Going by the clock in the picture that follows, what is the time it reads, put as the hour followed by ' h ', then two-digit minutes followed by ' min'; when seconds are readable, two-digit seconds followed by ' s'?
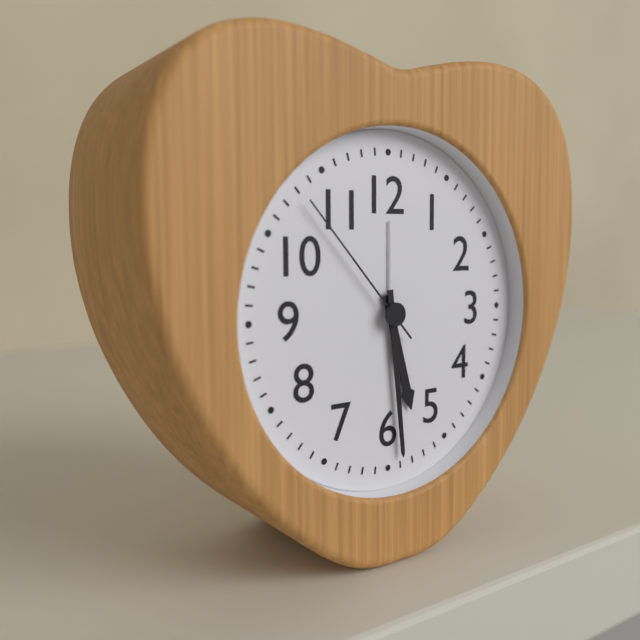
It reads 5 h 29 min 53 s
